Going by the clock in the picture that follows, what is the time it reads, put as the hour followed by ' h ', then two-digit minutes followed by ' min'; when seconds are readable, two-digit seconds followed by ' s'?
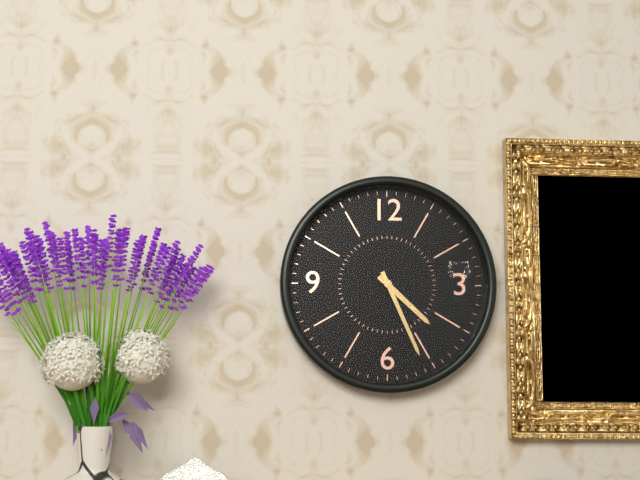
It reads 4 h 26 min
